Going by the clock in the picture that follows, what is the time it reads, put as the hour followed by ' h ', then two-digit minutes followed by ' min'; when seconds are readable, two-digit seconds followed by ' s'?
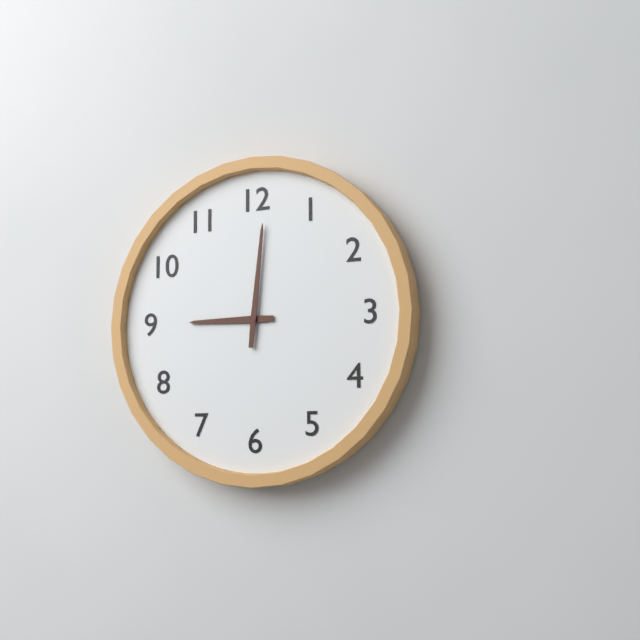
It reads 9 h 01 min
